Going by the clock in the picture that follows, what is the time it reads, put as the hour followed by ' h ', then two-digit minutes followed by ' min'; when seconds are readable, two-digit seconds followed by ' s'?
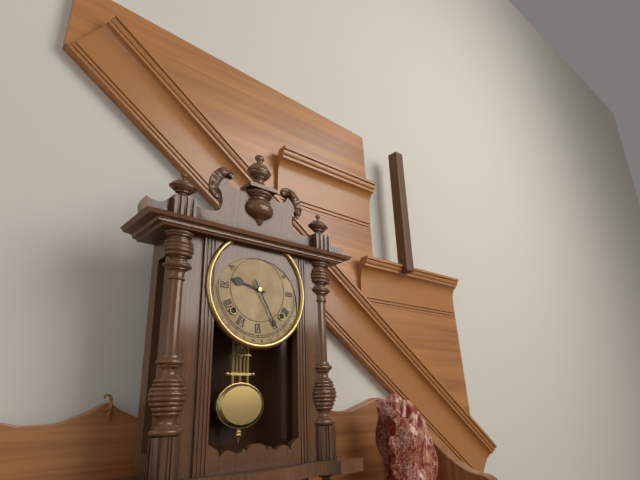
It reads 9 h 25 min
